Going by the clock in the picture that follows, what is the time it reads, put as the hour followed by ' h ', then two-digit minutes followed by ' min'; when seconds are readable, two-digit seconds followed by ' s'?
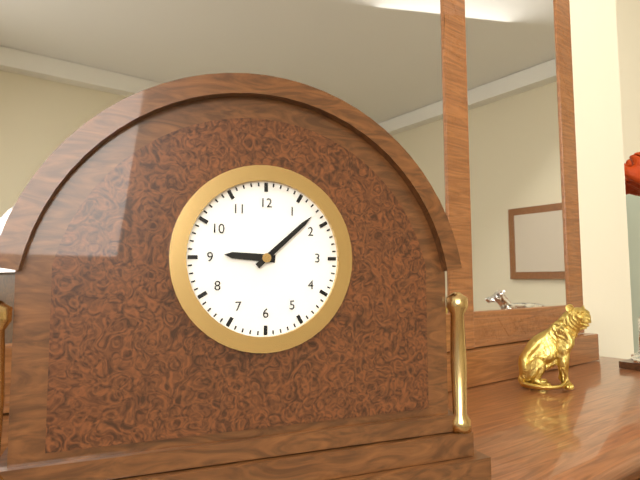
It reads 9 h 08 min
